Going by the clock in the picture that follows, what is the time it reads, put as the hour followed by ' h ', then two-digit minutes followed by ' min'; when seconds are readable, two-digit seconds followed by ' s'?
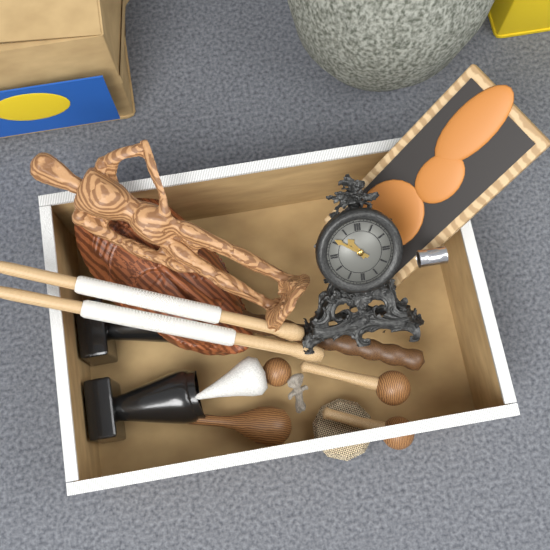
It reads 10 h 51 min
